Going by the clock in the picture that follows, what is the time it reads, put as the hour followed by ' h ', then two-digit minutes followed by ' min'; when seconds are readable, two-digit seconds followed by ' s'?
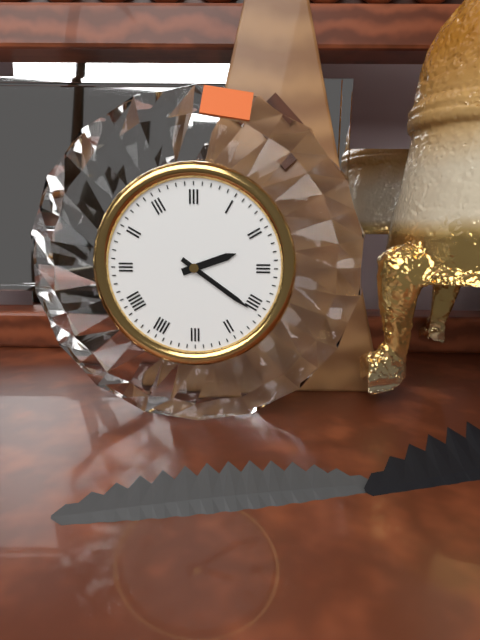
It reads 2 h 21 min
